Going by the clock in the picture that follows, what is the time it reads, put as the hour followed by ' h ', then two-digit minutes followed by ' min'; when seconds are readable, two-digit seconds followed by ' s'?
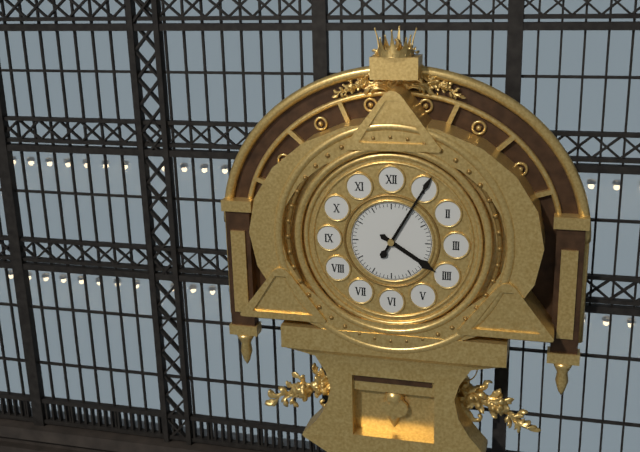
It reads 4 h 05 min
